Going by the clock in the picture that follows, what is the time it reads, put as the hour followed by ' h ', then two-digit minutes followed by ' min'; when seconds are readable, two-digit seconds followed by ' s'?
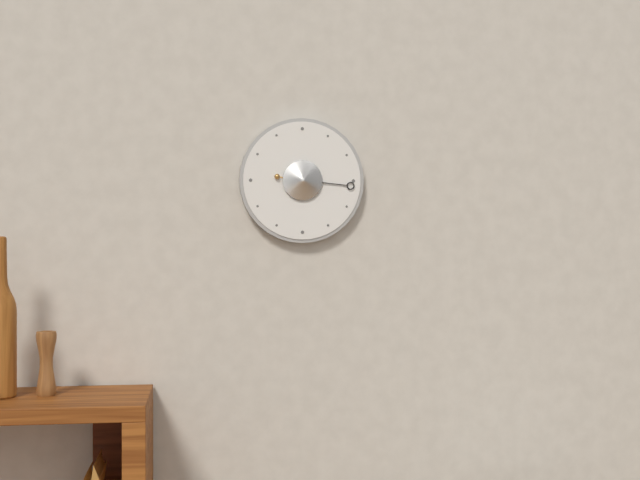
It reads 9 h 16 min
